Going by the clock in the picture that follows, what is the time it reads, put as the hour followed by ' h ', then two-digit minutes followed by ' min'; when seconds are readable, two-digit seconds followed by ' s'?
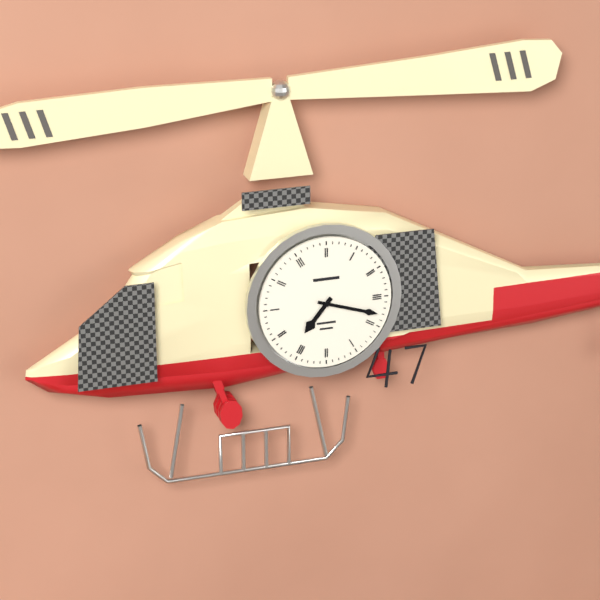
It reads 7 h 18 min
